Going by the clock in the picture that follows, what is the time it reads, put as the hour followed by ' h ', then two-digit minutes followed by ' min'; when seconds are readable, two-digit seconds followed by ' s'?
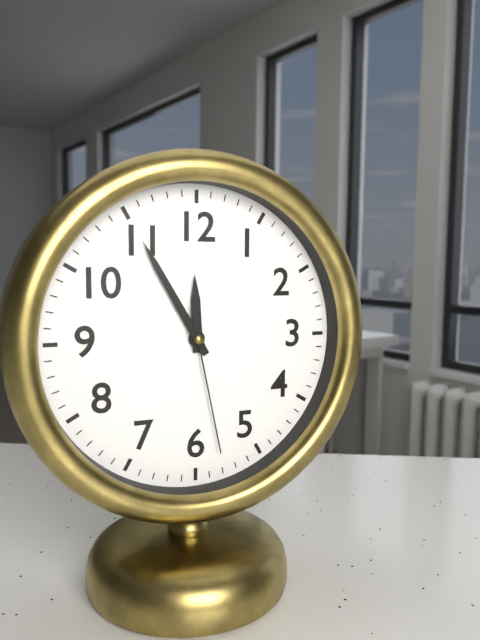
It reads 11 h 55 min 28 s
